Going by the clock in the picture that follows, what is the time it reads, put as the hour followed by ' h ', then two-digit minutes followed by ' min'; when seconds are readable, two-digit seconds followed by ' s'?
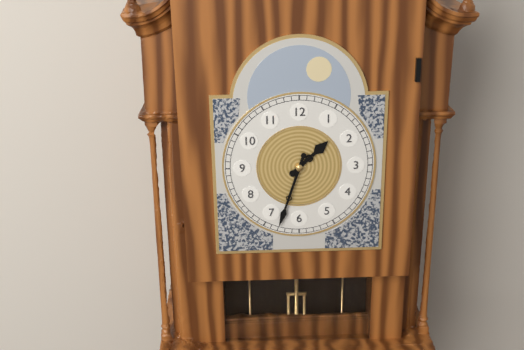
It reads 1 h 33 min
